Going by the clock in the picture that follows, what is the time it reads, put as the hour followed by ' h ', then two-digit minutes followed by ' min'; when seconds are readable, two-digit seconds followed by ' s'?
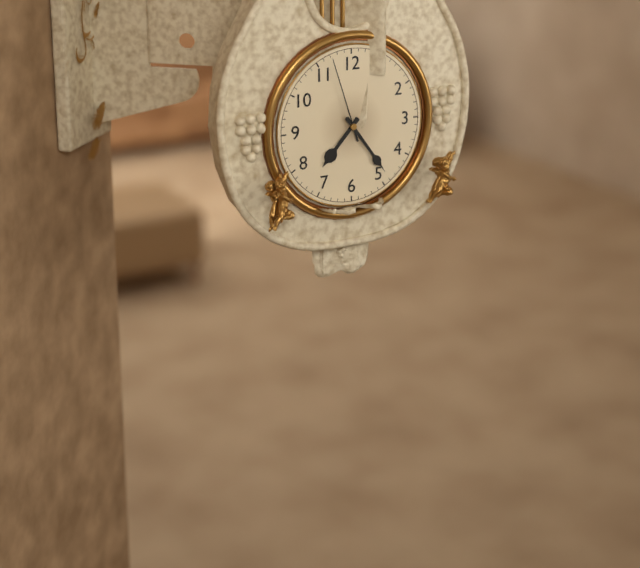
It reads 7 h 24 min 57 s
